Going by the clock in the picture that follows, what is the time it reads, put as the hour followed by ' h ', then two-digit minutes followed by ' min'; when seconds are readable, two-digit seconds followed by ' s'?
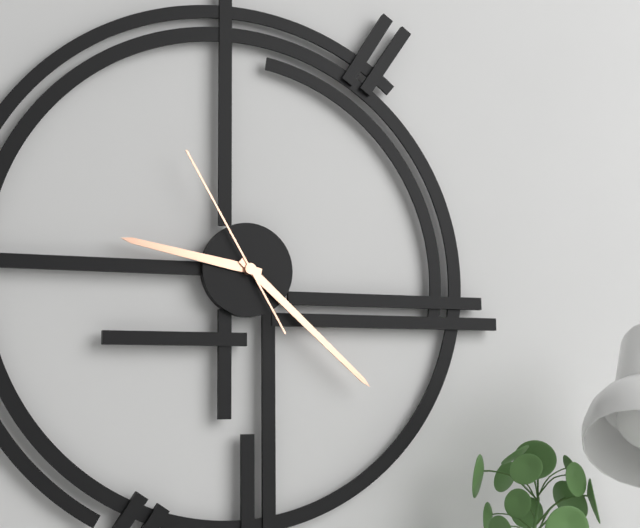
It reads 9 h 22 min 55 s
